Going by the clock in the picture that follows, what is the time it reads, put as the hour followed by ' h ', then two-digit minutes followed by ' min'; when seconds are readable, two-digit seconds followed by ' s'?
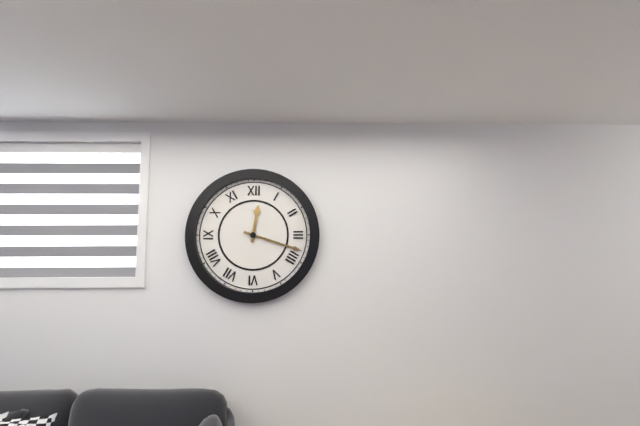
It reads 12 h 18 min
